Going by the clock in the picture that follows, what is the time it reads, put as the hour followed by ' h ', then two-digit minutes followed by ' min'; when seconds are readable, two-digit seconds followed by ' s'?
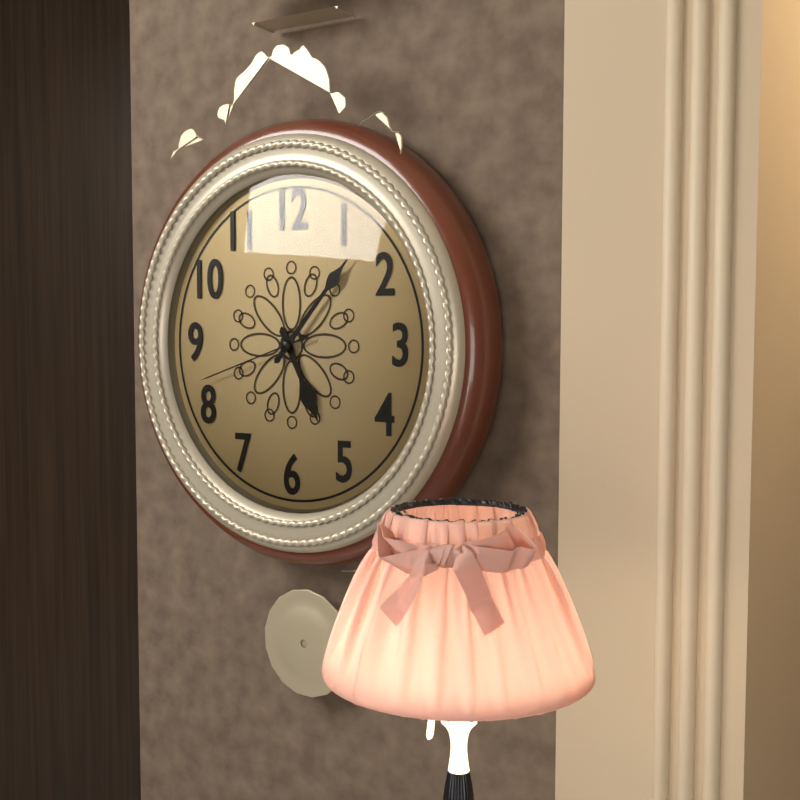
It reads 5 h 07 min 42 s
